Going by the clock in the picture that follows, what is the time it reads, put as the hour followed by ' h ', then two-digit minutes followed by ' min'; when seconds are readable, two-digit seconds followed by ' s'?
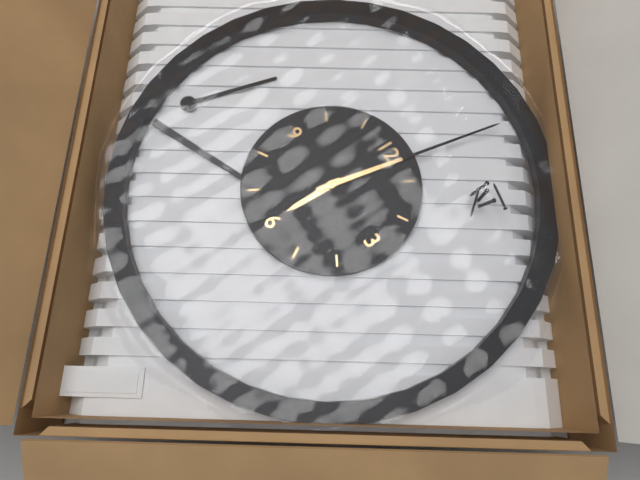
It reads 6 h 02 min
